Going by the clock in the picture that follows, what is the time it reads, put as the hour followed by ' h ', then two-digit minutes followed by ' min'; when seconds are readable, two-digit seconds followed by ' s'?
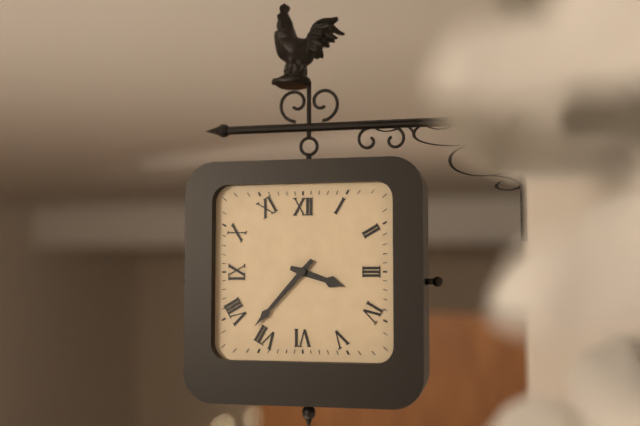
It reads 3 h 37 min
